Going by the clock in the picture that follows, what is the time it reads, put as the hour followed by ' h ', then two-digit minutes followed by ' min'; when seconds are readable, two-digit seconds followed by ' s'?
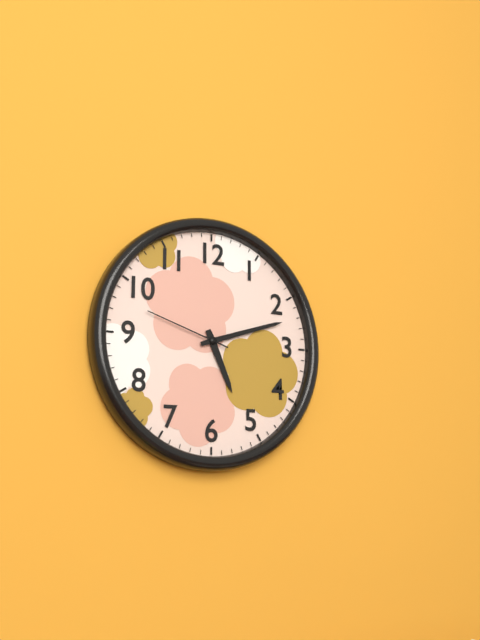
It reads 5 h 12 min 48 s
